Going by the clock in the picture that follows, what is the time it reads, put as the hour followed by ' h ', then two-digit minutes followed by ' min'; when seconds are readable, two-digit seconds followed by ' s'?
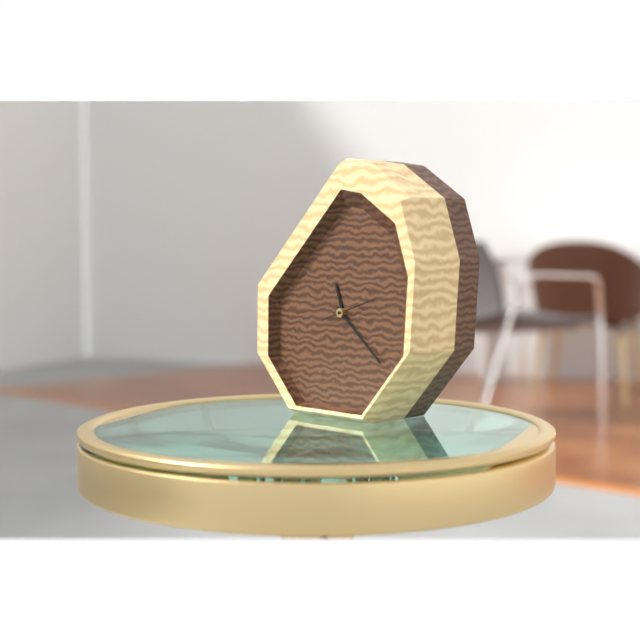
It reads 11 h 22 min
